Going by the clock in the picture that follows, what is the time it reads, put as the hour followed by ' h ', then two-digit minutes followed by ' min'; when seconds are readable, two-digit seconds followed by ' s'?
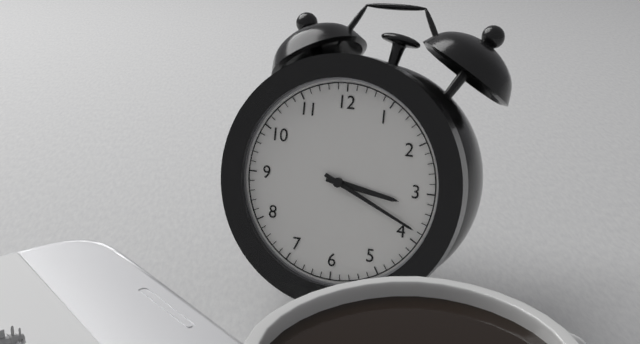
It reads 3 h 19 min
